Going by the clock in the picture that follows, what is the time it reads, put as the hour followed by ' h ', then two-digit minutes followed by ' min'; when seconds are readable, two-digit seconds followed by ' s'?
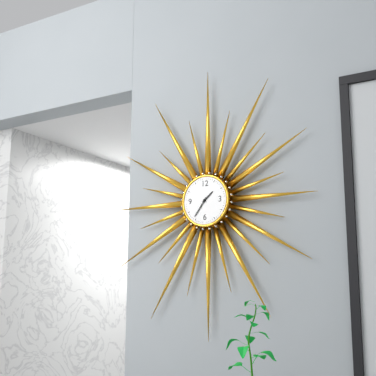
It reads 1 h 36 min
